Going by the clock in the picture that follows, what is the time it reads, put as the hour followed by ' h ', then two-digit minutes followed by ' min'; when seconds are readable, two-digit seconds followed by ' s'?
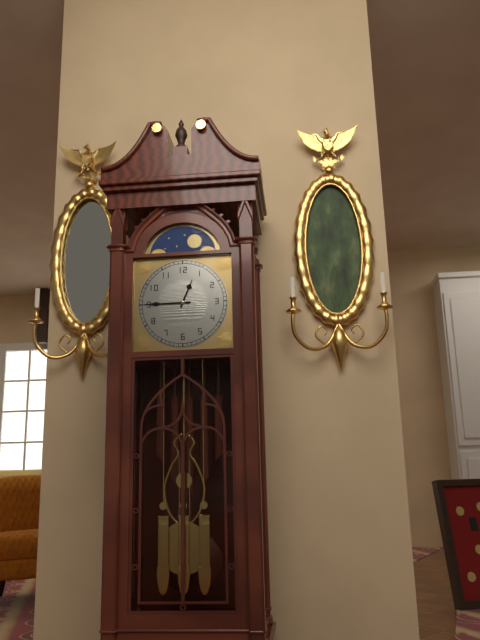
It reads 12 h 45 min
